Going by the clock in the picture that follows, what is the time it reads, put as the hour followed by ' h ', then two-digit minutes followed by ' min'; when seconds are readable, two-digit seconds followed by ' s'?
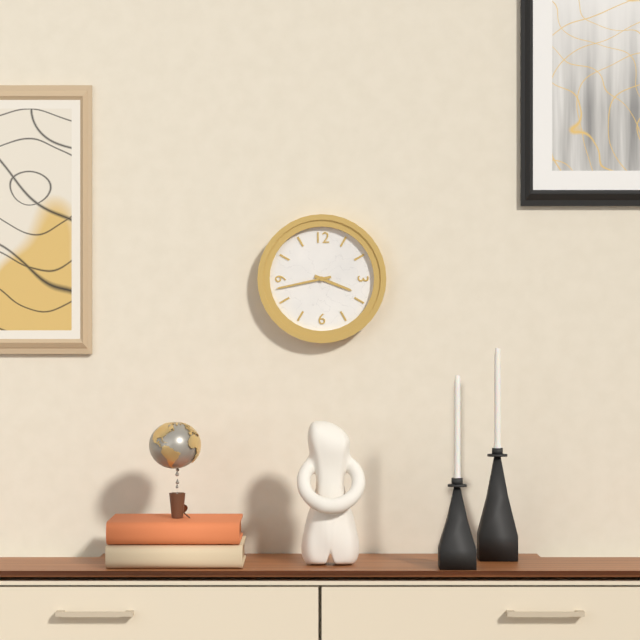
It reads 3 h 43 min
